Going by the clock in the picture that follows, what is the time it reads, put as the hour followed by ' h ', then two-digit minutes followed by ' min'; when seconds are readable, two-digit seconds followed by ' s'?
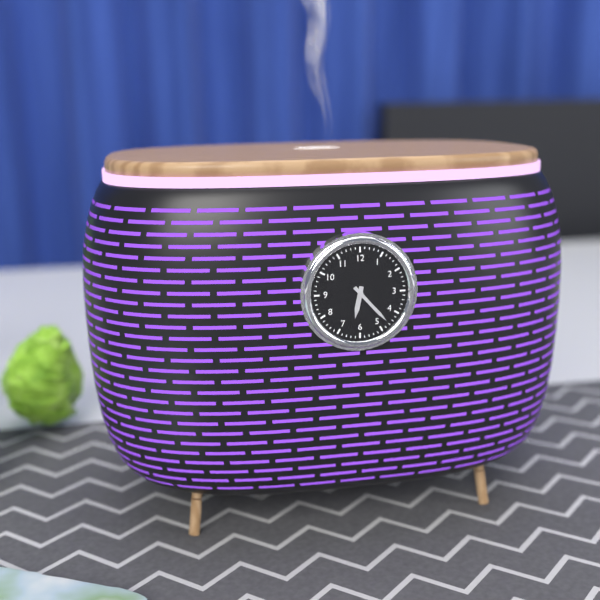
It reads 6 h 23 min
